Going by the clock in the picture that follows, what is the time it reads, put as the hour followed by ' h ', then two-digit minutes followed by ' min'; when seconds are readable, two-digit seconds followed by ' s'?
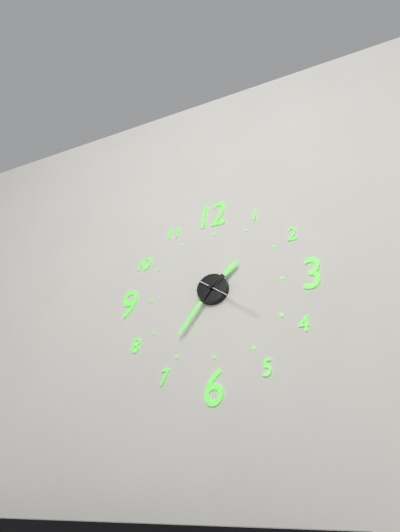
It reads 1 h 36 min 21 s
